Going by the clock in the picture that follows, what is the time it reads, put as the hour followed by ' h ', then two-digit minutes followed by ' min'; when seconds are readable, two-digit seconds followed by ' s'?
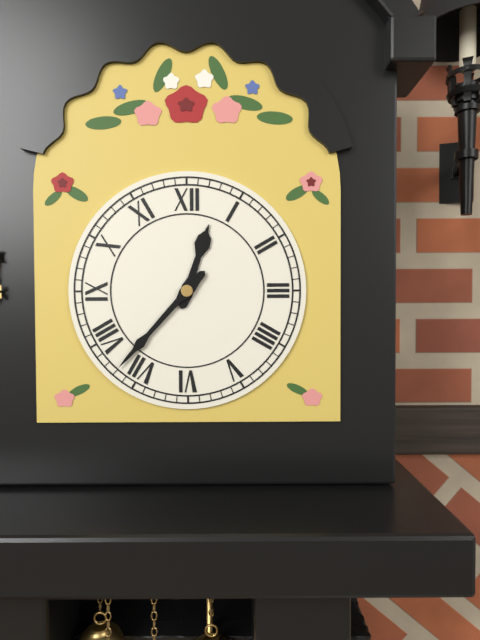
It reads 12 h 37 min
